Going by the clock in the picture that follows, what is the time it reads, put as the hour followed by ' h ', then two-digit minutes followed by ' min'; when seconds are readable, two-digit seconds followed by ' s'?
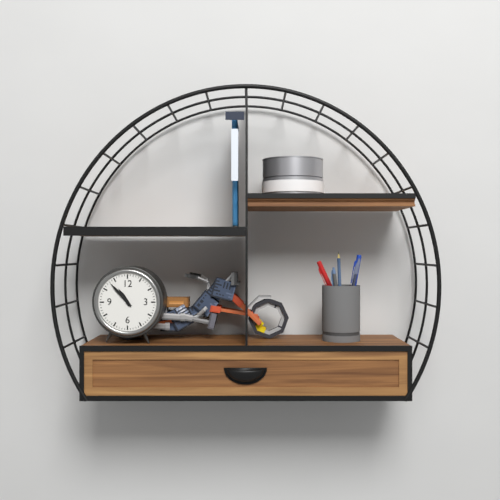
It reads 10 h 53 min
